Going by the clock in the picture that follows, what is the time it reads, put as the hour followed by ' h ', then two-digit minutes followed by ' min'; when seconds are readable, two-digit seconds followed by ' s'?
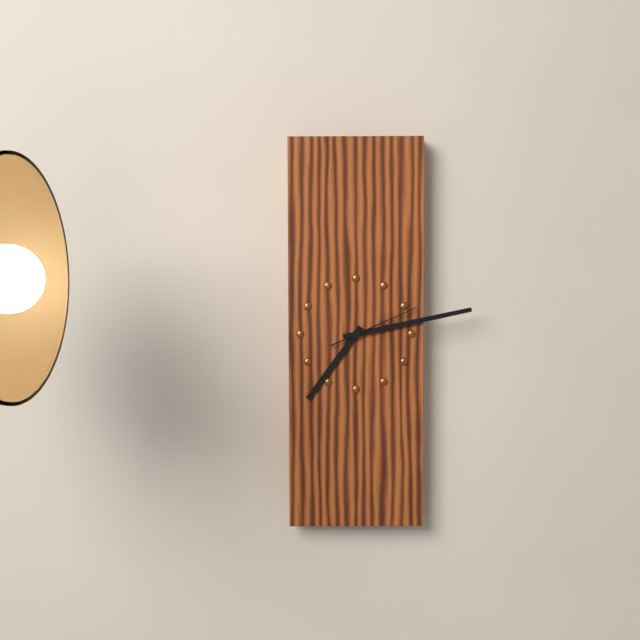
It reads 7 h 13 min 11 s
